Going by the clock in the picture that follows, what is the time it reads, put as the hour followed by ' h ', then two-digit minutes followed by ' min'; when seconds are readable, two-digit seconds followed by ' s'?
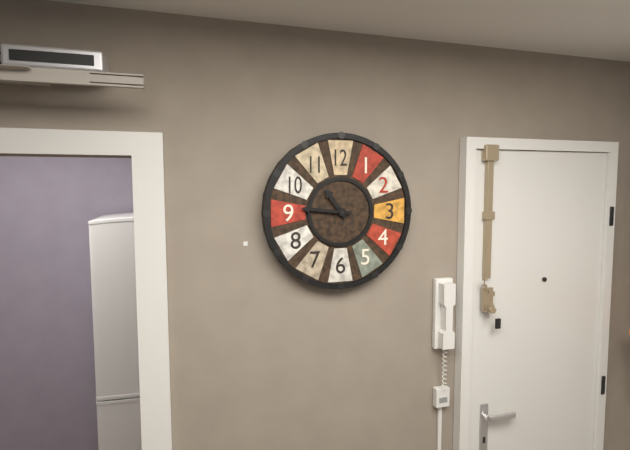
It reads 10 h 46 min
